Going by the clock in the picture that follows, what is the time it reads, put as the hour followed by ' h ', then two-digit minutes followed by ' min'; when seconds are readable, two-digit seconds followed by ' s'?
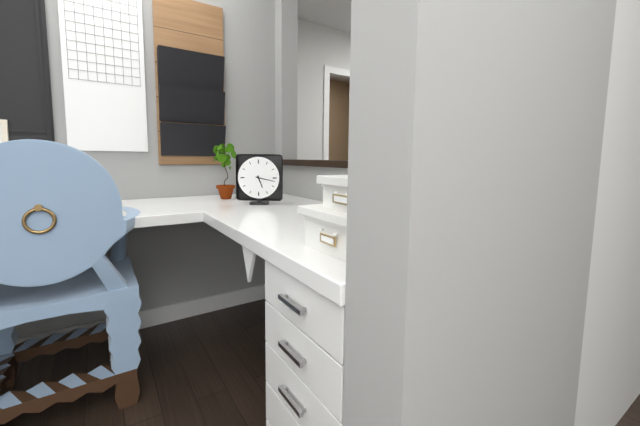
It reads 5 h 17 min
